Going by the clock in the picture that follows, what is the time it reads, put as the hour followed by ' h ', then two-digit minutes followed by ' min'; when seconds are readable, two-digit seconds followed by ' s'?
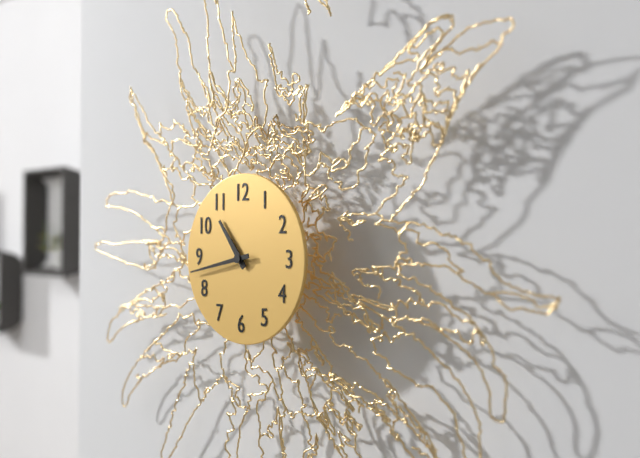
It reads 10 h 43 min
